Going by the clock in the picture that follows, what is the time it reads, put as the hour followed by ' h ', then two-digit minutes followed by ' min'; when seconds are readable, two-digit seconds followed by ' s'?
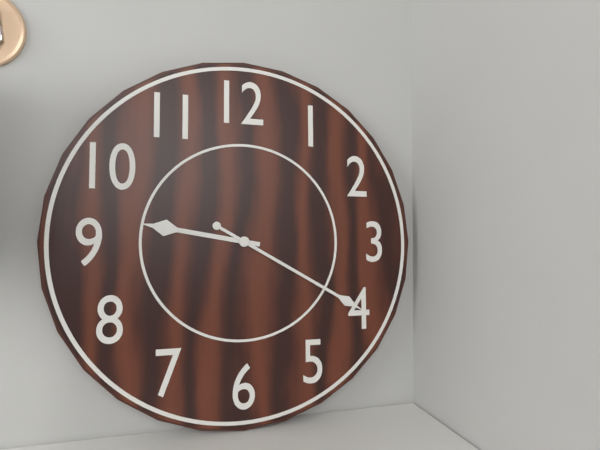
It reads 9 h 20 min
